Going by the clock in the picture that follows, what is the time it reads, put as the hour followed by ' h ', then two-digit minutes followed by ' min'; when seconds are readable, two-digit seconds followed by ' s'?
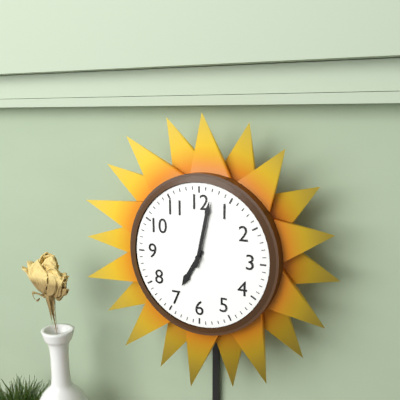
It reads 7 h 02 min
